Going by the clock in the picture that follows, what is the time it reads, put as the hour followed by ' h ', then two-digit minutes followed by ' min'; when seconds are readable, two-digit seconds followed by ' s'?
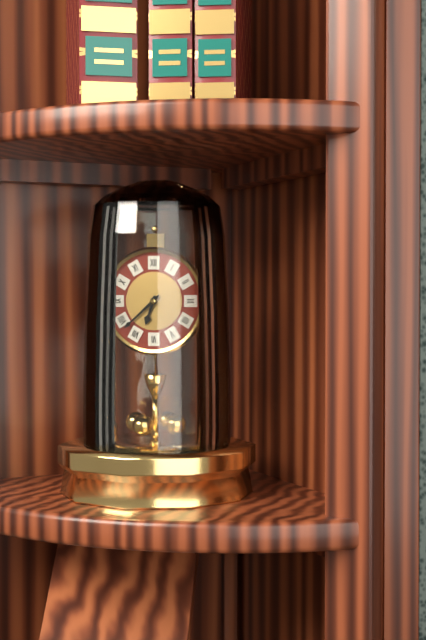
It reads 6 h 38 min
